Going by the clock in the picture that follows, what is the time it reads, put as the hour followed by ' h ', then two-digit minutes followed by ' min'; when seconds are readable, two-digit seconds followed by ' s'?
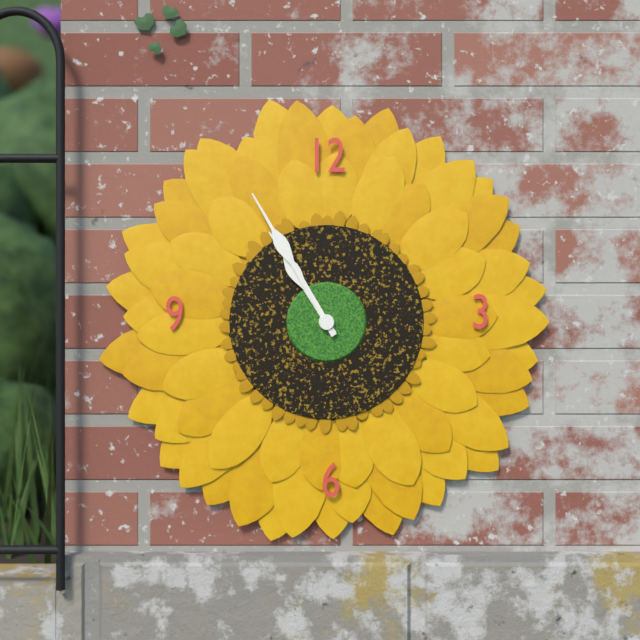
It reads 10 h 55 min
